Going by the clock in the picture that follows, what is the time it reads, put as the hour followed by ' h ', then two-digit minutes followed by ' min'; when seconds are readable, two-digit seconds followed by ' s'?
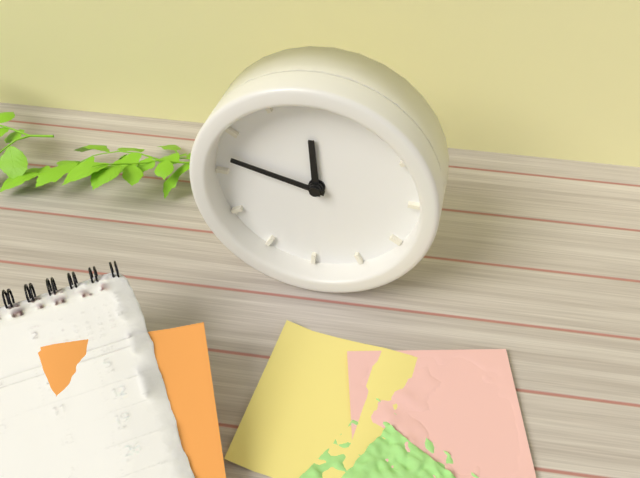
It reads 11 h 47 min
